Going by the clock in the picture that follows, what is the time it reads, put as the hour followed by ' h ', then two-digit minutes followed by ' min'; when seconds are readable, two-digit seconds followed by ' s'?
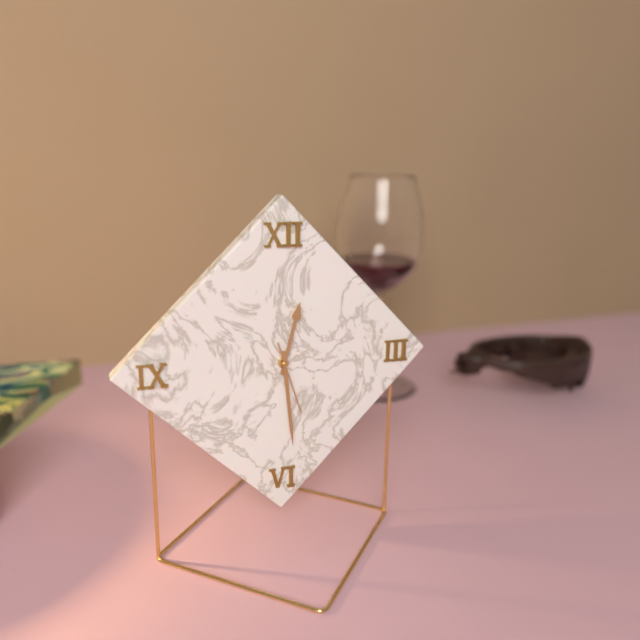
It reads 12 h 29 min 27 s
